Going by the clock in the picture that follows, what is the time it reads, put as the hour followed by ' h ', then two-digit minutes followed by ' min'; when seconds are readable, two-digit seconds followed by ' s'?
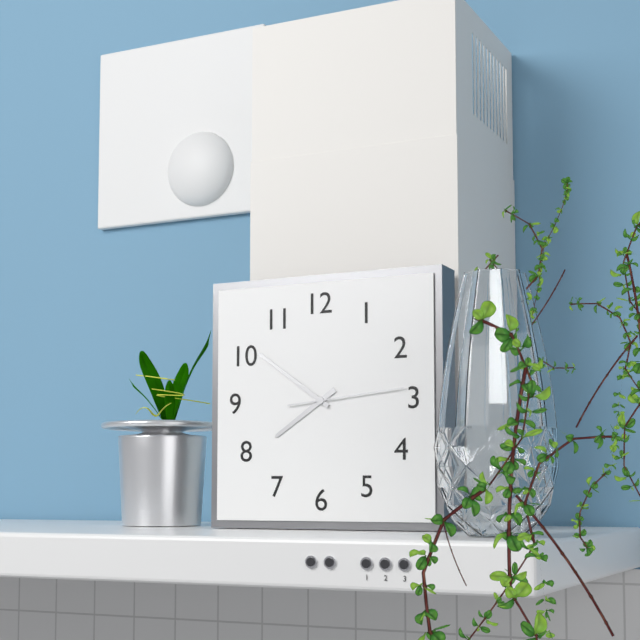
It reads 7 h 51 min 14 s
